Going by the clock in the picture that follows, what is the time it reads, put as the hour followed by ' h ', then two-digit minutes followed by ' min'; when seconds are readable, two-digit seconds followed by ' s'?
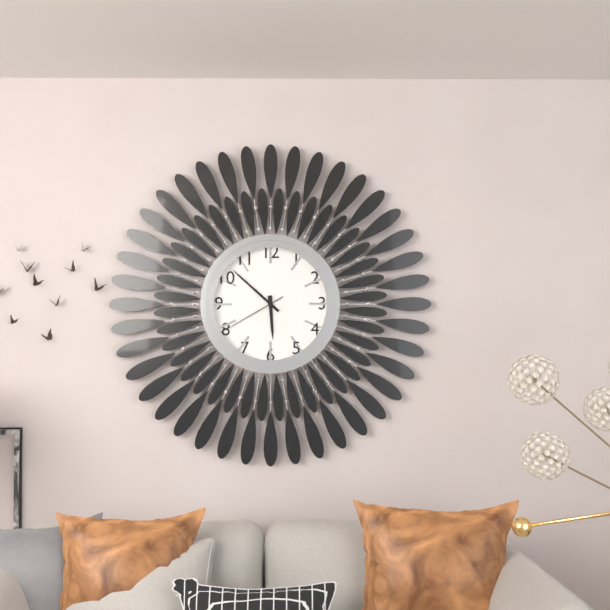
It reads 5 h 52 min 40 s
